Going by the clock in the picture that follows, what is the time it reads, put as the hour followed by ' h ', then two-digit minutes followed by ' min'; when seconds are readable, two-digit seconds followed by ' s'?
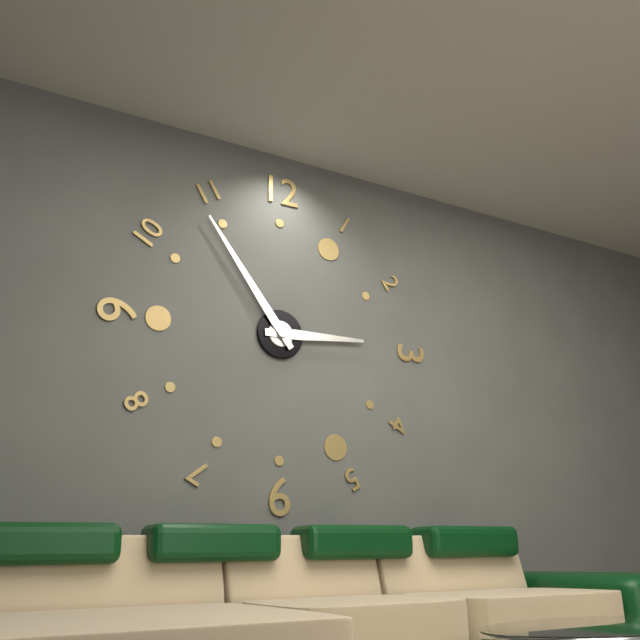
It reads 2 h 54 min
